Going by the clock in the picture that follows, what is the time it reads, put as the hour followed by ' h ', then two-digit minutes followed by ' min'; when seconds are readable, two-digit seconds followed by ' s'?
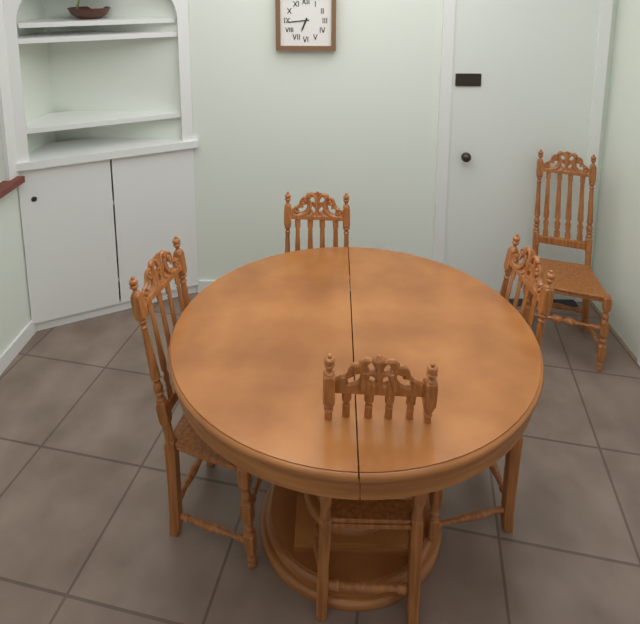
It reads 6 h 44 min
